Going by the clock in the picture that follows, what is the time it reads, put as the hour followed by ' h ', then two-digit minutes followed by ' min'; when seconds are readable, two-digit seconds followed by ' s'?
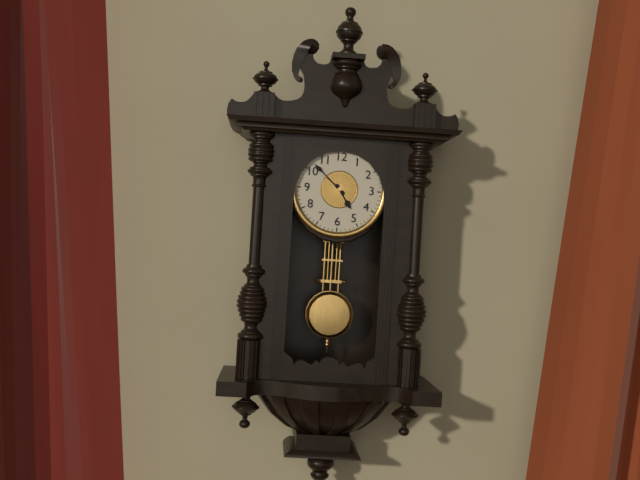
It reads 4 h 52 min
